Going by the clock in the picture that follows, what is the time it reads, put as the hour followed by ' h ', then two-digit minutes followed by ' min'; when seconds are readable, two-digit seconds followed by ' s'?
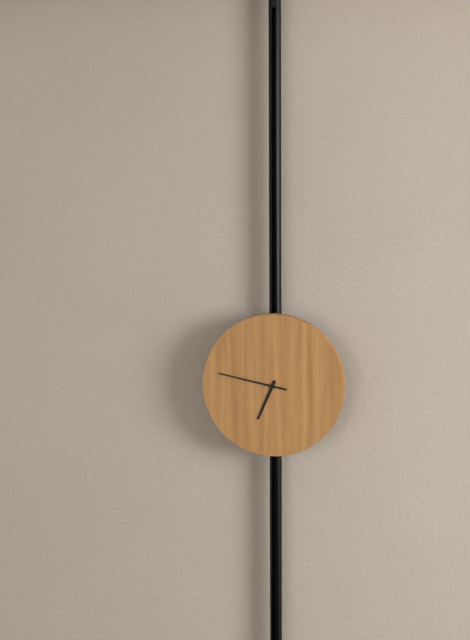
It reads 6 h 47 min
